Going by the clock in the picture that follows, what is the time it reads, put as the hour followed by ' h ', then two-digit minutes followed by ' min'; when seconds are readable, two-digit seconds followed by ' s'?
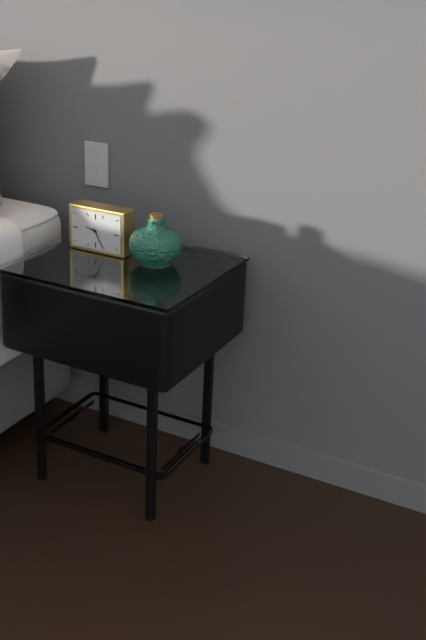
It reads 9 h 25 min
